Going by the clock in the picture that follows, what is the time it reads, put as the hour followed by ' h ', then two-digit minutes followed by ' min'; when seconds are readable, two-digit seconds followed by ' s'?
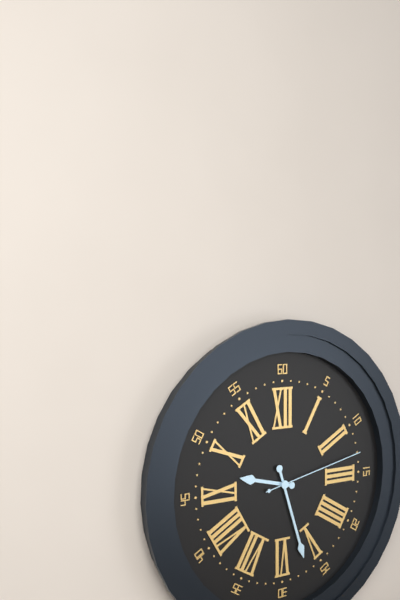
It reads 9 h 27 min 13 s
